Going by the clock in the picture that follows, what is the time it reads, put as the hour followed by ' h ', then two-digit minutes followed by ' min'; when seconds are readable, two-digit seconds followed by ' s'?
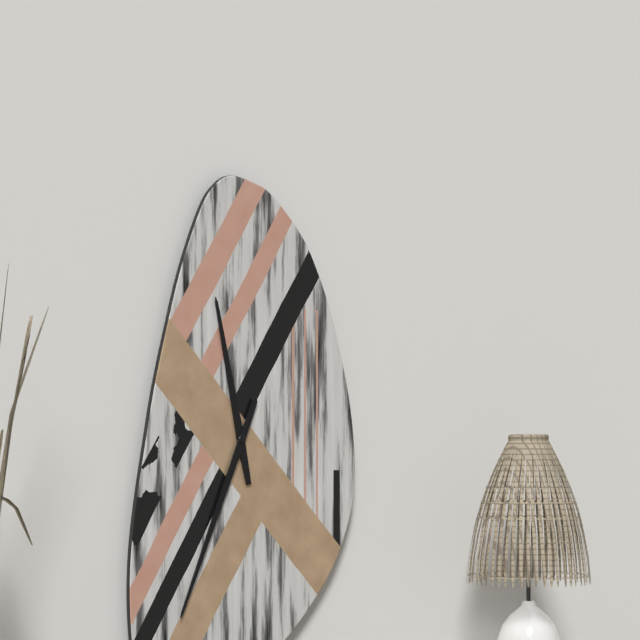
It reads 11 h 34 min
